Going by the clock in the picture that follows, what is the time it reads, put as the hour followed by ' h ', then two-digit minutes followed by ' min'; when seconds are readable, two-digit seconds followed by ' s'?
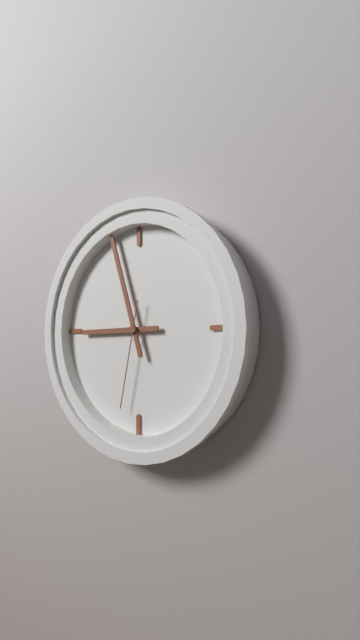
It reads 8 h 57 min 32 s
